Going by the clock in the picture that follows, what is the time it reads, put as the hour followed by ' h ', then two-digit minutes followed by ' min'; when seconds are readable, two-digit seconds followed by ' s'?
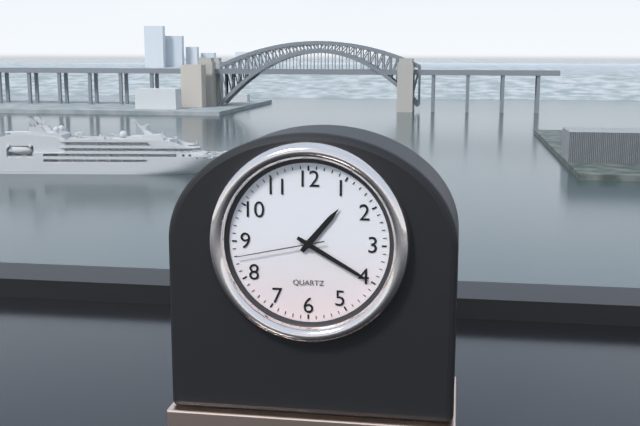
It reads 1 h 20 min 43 s
